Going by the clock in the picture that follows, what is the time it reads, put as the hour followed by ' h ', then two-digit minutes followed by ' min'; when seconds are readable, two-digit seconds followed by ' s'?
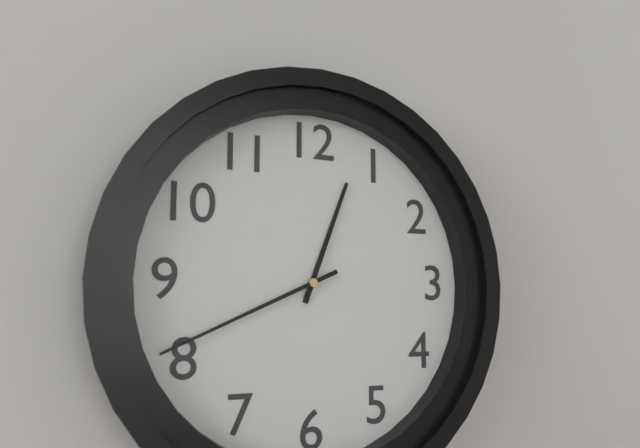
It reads 12 h 41 min
